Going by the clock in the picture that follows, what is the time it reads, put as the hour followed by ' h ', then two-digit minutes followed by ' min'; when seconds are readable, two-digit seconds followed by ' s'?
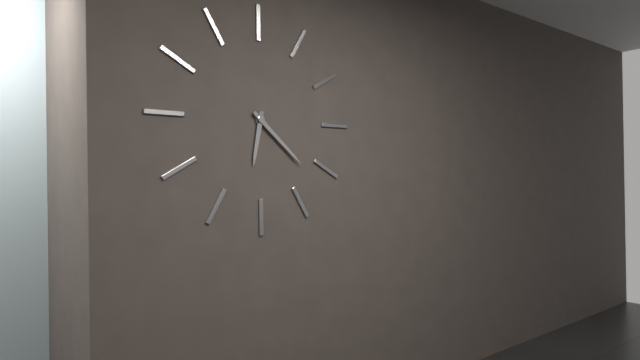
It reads 6 h 22 min
